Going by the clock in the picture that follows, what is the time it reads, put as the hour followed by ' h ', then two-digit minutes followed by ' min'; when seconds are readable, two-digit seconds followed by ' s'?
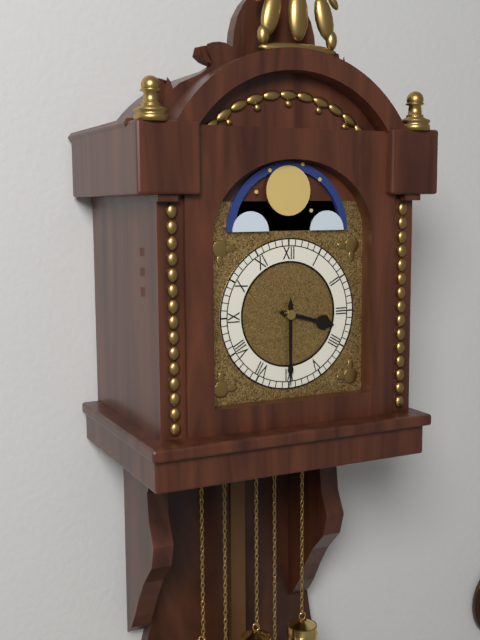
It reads 3 h 30 min
